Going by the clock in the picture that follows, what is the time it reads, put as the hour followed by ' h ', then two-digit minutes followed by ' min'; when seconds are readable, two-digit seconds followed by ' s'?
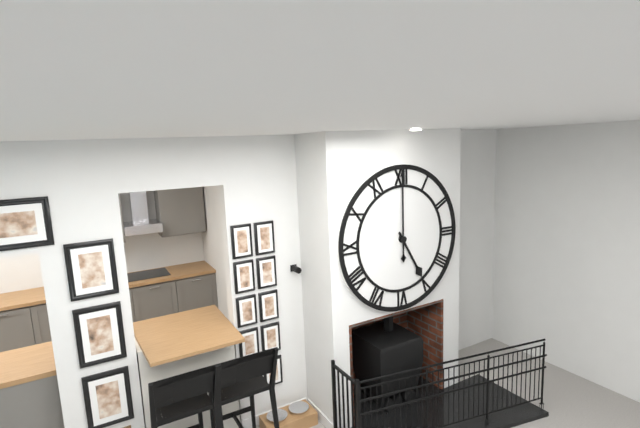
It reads 5 h 00 min
